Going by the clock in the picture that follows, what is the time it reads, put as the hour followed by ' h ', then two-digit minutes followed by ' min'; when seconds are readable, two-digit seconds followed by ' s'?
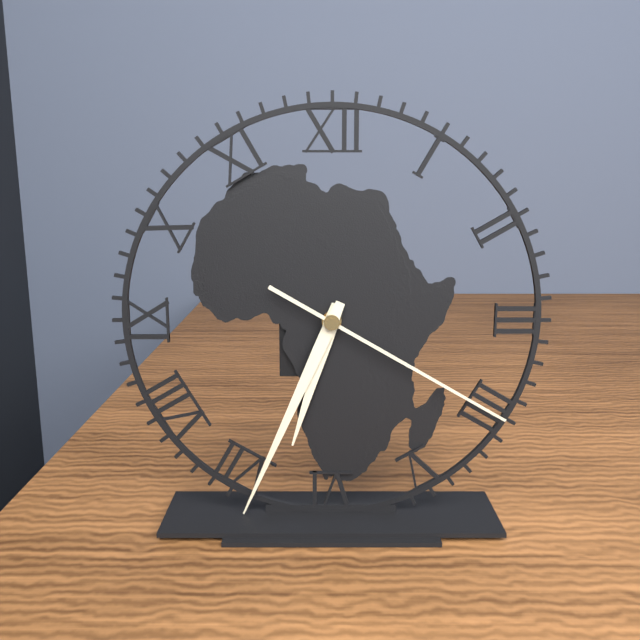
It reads 6 h 34 min 20 s
